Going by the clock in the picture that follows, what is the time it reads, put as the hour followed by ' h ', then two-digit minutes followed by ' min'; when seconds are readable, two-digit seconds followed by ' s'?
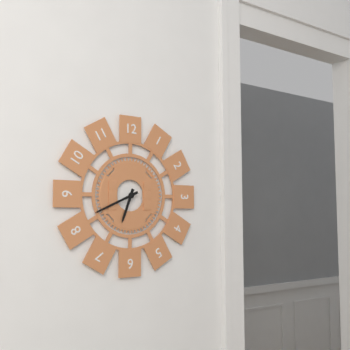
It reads 6 h 41 min
